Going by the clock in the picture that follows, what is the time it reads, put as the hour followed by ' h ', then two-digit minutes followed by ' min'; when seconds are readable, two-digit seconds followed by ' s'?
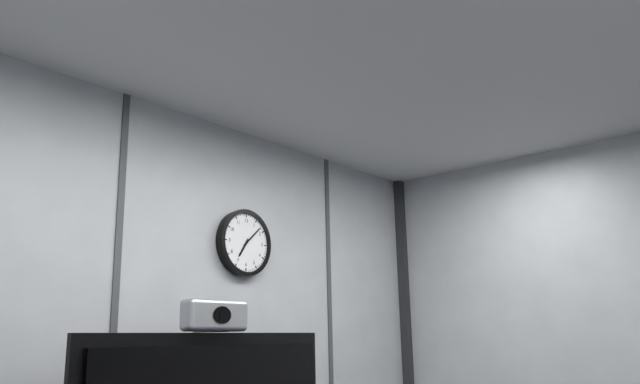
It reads 7 h 08 min
